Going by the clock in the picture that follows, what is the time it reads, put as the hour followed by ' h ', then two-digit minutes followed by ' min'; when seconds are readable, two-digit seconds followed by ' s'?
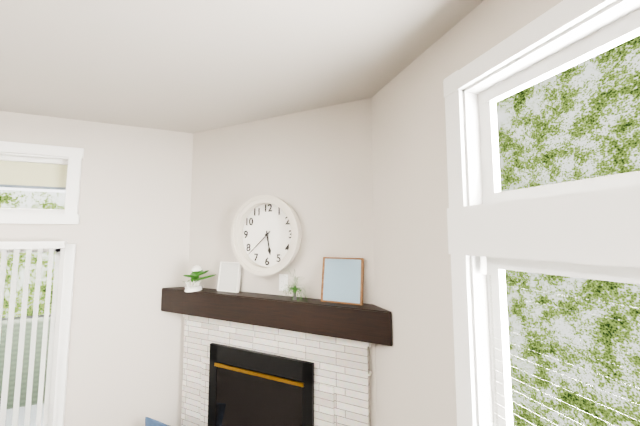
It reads 5 h 38 min
